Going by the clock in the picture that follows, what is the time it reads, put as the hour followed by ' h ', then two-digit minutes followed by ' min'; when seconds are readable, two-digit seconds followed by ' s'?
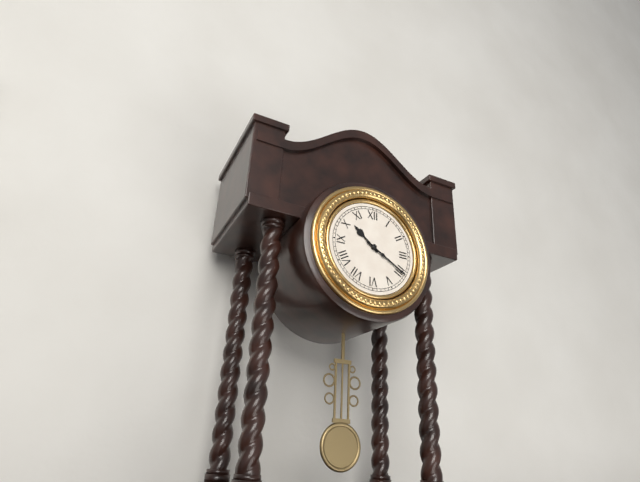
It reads 10 h 20 min
